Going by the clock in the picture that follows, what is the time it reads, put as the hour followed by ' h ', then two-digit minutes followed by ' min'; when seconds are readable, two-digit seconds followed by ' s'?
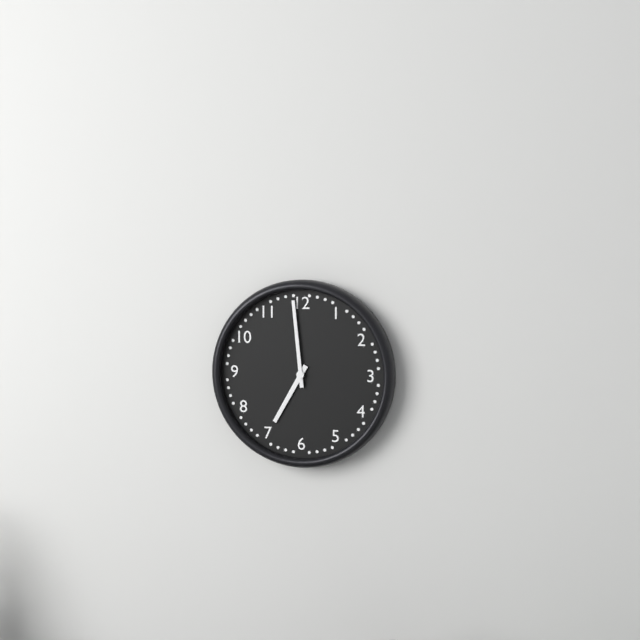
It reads 6 h 59 min
